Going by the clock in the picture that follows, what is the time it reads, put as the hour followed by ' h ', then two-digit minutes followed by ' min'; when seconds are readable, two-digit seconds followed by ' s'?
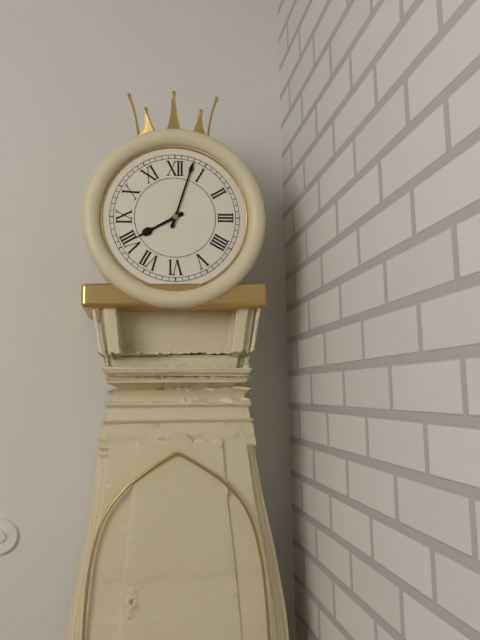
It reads 8 h 03 min
